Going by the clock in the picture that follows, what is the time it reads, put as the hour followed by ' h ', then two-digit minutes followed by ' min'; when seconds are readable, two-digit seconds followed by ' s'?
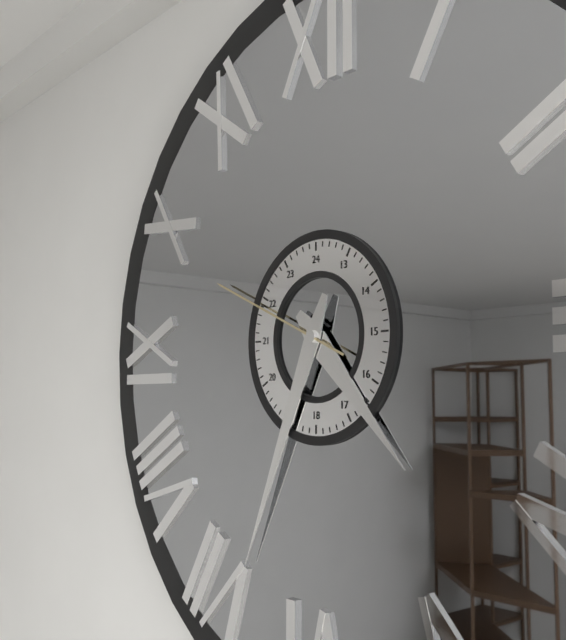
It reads 4 h 34 min 49 s
